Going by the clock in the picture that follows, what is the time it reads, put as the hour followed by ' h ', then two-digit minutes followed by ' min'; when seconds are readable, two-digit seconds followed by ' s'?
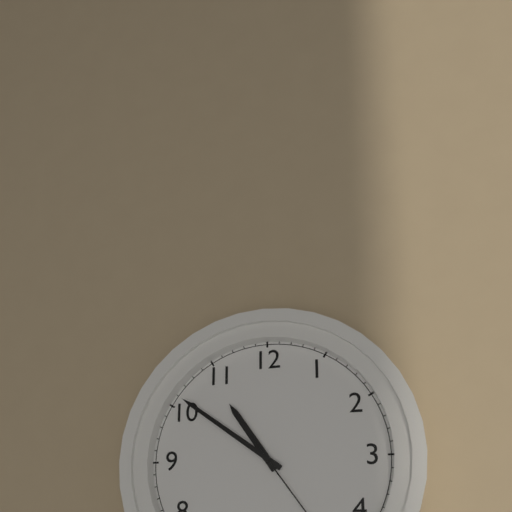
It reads 10 h 51 min
